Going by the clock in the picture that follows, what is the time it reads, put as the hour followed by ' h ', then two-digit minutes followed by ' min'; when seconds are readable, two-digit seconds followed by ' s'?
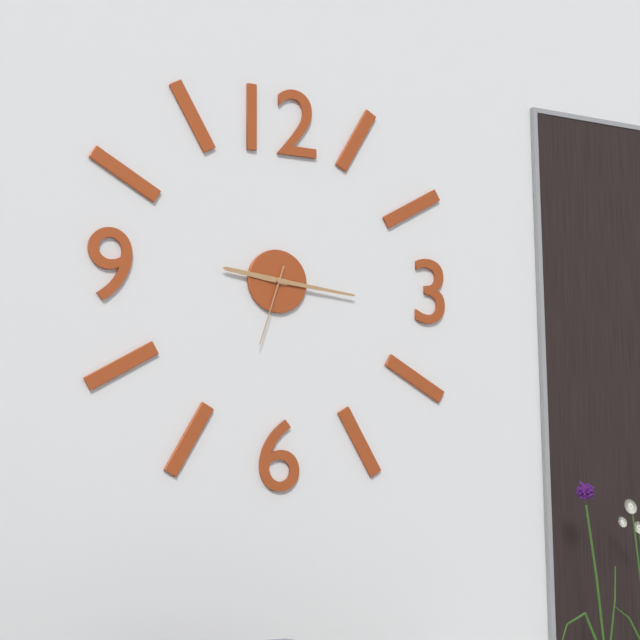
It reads 9 h 16 min 33 s
